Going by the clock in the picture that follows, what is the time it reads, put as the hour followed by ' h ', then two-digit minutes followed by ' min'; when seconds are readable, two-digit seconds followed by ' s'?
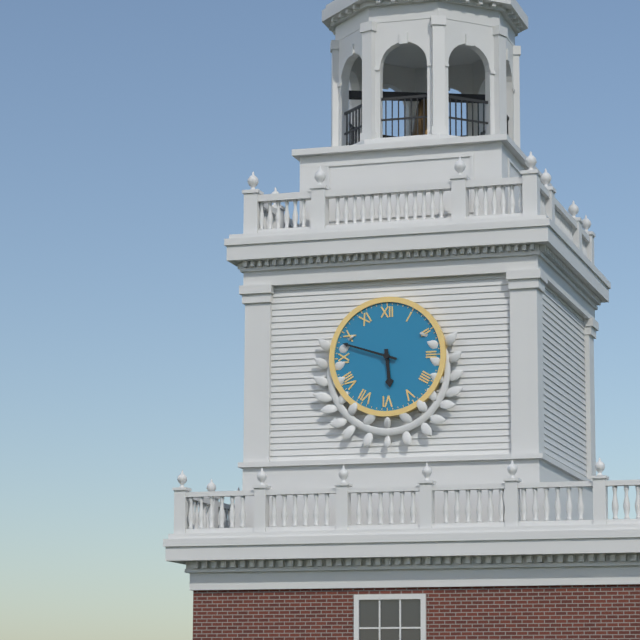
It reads 5 h 48 min
